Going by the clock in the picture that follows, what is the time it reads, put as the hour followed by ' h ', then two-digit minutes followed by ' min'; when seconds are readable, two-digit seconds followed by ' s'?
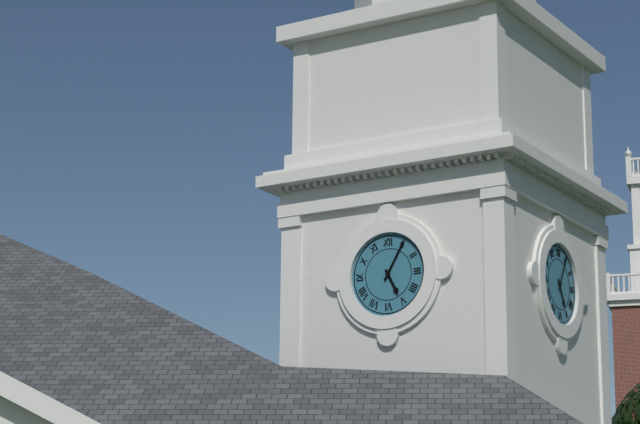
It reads 5 h 05 min
